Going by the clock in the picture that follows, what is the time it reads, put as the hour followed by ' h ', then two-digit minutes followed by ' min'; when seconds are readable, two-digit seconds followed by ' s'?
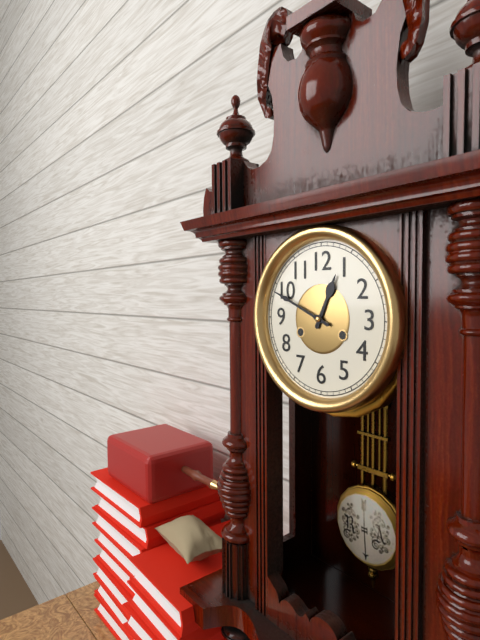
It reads 12 h 49 min
